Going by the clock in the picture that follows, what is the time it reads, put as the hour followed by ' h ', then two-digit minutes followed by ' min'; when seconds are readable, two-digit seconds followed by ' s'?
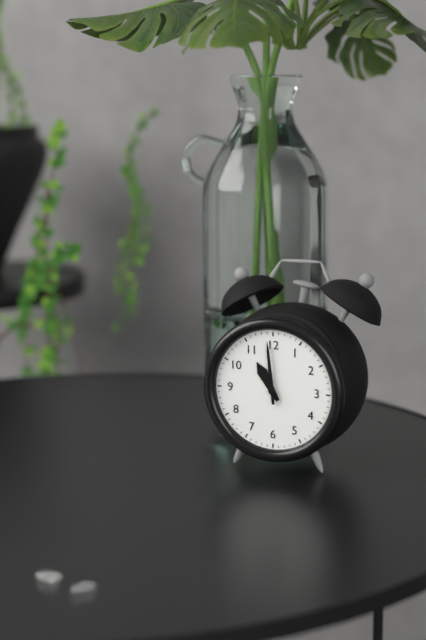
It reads 10 h 59 min
